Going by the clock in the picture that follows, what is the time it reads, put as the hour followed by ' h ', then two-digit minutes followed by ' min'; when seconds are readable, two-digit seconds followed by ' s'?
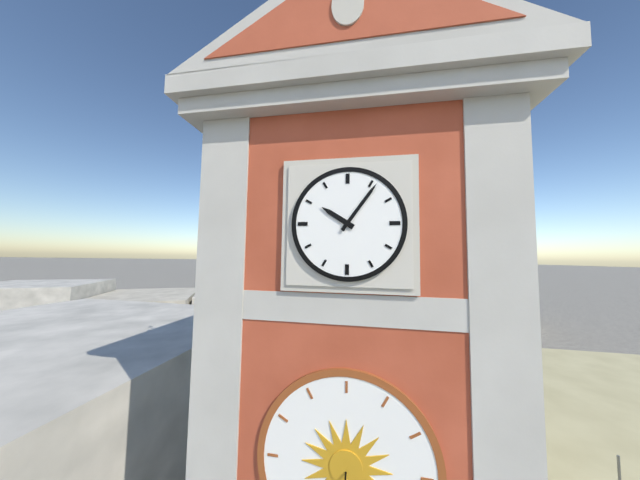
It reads 10 h 06 min
